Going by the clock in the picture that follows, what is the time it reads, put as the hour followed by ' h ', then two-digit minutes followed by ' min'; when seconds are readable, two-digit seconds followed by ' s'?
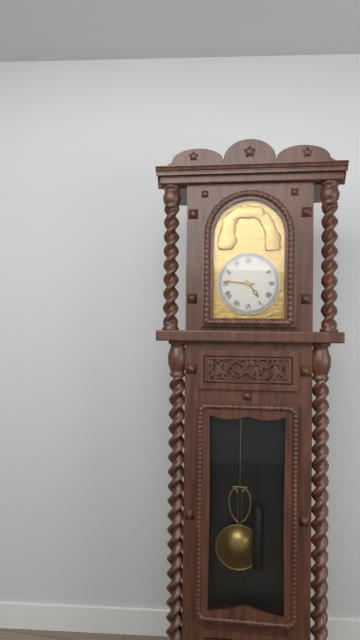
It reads 4 h 46 min
